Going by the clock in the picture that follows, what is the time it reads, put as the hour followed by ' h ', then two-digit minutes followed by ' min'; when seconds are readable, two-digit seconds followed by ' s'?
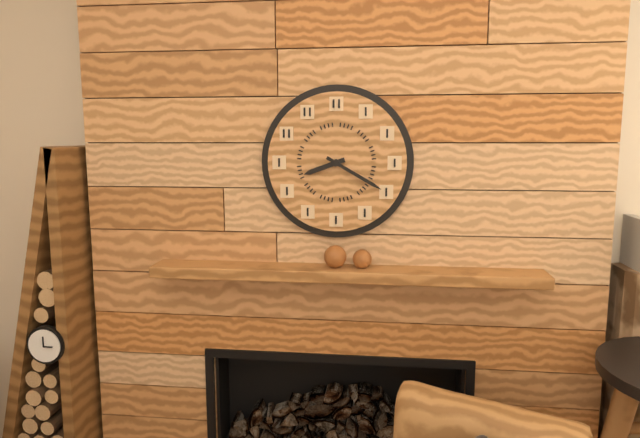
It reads 8 h 20 min
